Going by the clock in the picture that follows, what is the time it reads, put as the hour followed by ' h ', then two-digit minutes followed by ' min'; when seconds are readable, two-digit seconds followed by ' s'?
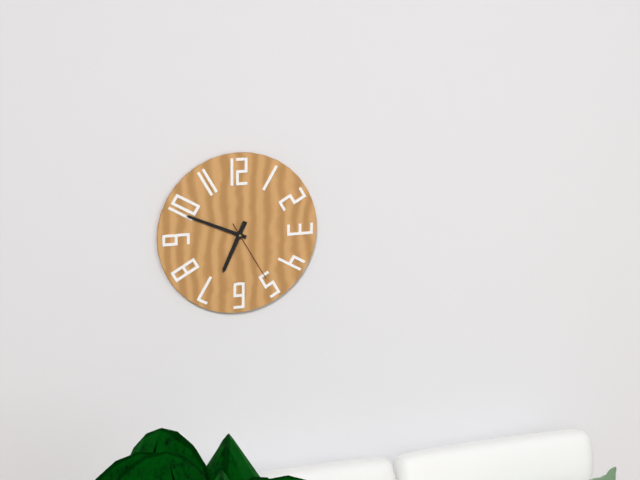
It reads 6 h 49 min 25 s
